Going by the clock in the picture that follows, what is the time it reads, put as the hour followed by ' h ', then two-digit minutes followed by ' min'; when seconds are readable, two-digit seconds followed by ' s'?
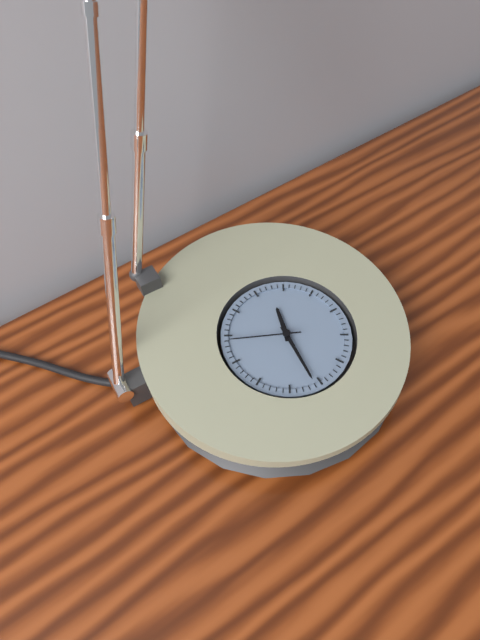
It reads 12 h 31 min 49 s
